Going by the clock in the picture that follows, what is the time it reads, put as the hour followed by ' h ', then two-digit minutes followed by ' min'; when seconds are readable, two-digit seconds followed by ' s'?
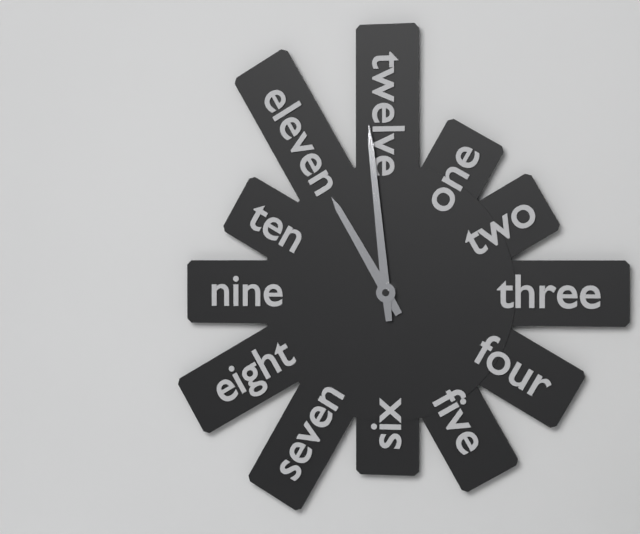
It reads 10 h 59 min
